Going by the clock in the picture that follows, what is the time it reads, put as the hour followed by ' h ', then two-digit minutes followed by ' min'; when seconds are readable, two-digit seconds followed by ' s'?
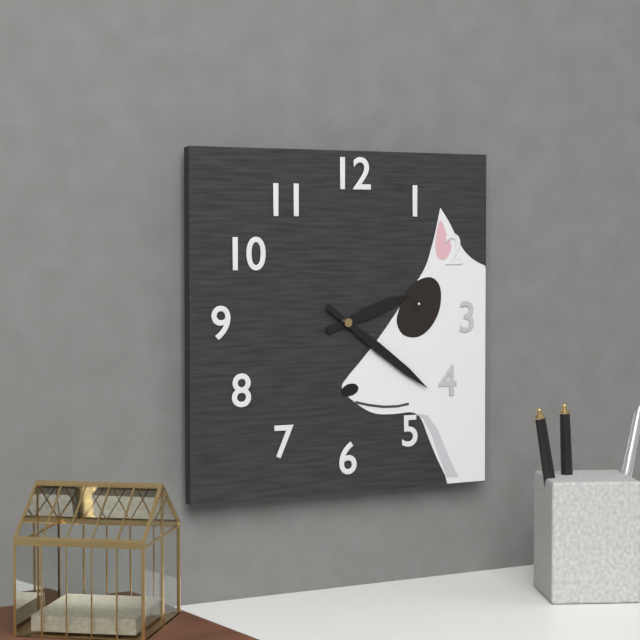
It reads 2 h 21 min
